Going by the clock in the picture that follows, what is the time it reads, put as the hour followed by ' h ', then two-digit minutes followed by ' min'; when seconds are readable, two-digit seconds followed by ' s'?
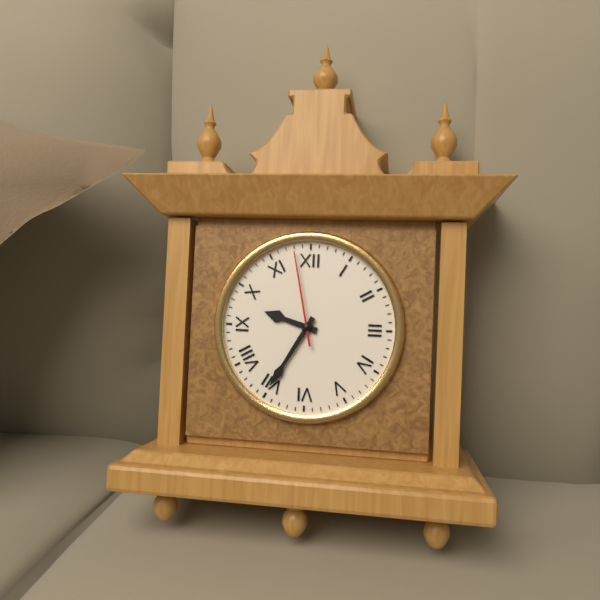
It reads 9 h 35 min 58 s
